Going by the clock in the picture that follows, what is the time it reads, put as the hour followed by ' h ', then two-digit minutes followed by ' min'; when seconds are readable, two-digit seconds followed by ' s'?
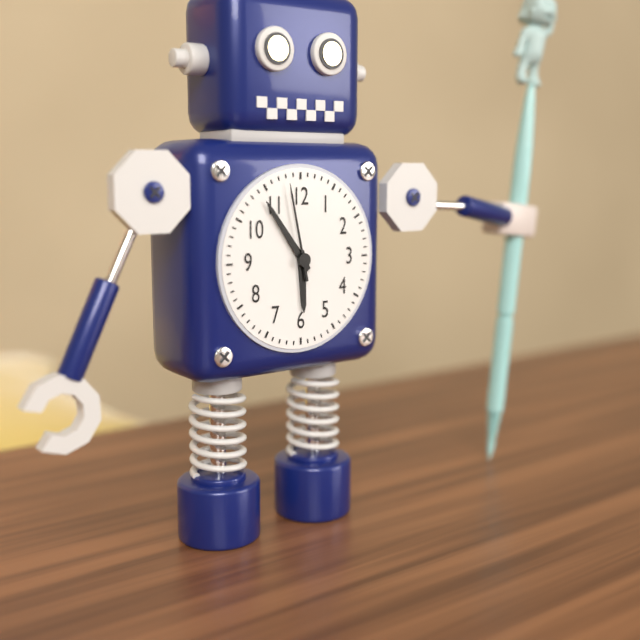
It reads 5 h 54 min 58 s
